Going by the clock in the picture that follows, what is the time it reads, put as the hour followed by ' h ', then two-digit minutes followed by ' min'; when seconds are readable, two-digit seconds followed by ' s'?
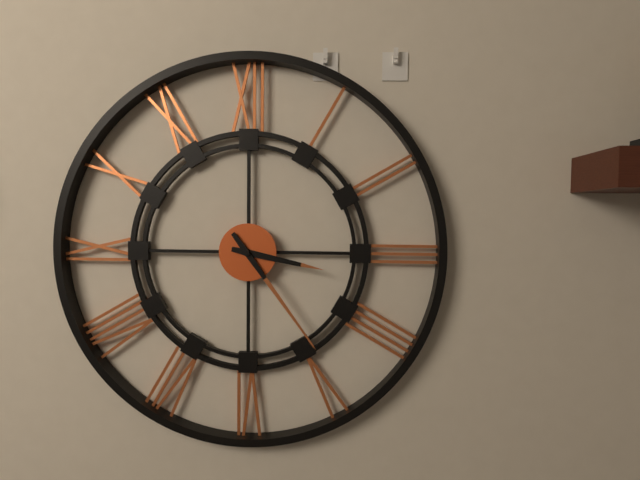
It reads 3 h 24 min
